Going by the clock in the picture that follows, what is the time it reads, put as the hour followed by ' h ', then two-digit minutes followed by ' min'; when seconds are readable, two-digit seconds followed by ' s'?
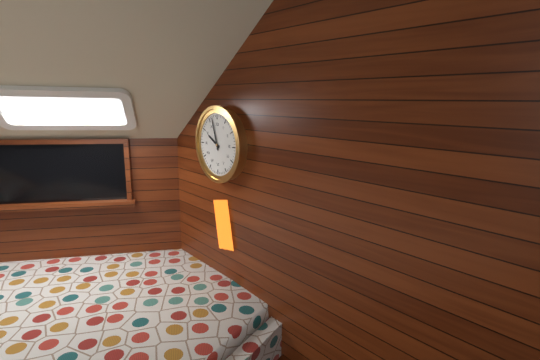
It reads 9 h 57 min
